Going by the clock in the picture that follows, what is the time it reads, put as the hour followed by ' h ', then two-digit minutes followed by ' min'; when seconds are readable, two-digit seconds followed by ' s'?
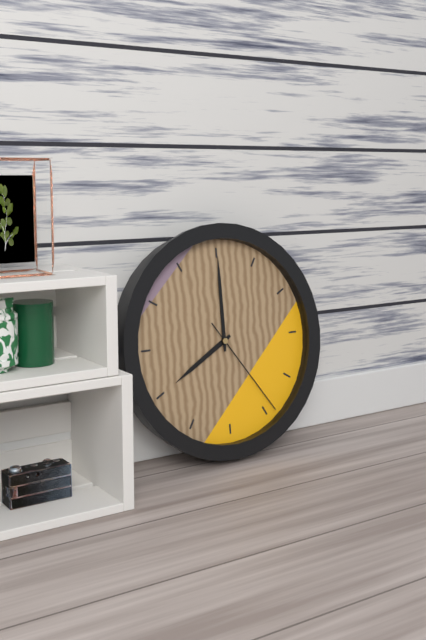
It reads 8 h 00 min 24 s
